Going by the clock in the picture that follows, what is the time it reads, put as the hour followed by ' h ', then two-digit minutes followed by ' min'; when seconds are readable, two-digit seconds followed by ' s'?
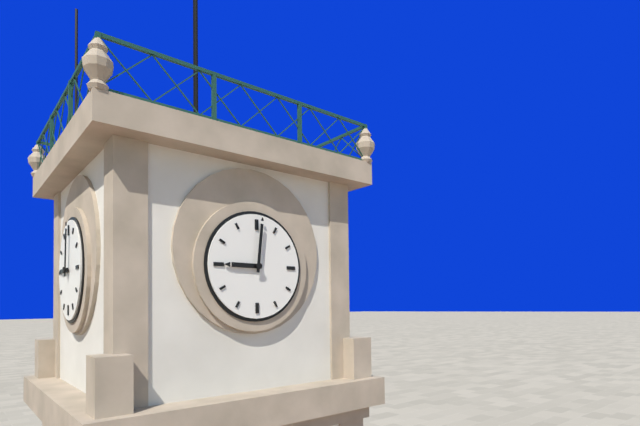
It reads 9 h 01 min
